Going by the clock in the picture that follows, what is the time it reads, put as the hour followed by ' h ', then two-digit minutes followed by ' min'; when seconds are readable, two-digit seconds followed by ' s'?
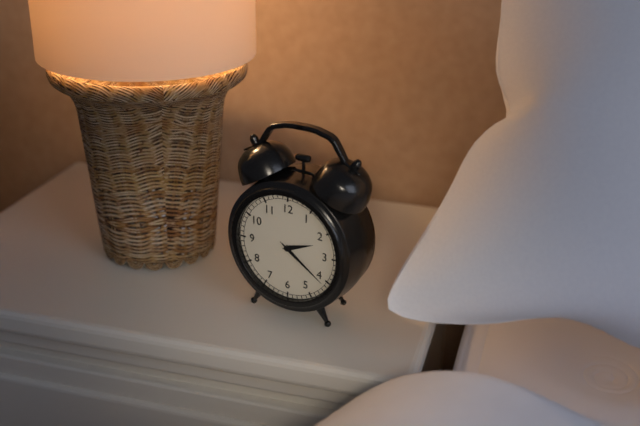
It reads 2 h 21 min
